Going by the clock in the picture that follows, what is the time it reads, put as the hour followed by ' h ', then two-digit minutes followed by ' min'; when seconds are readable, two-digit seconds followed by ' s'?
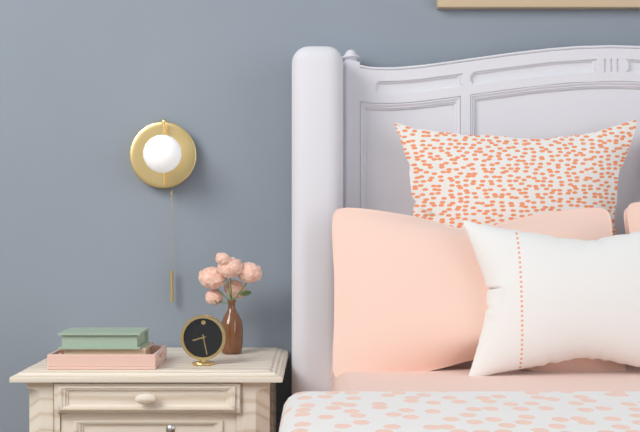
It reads 8 h 28 min
